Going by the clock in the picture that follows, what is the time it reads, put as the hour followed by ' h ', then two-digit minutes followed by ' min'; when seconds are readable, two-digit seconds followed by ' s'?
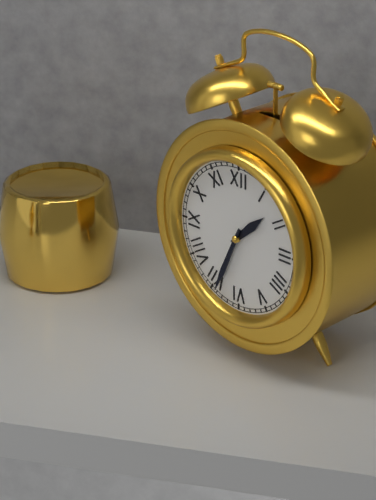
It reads 1 h 34 min
